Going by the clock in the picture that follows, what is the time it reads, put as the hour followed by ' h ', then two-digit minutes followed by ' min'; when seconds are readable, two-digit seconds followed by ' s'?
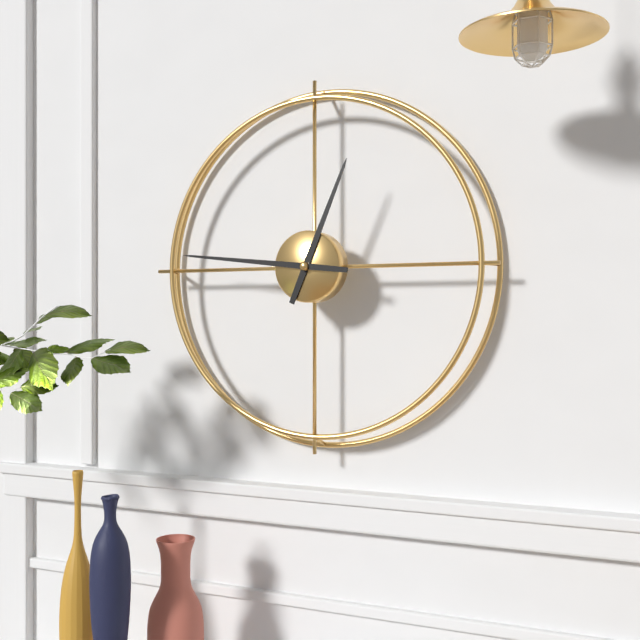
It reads 12 h 46 min
